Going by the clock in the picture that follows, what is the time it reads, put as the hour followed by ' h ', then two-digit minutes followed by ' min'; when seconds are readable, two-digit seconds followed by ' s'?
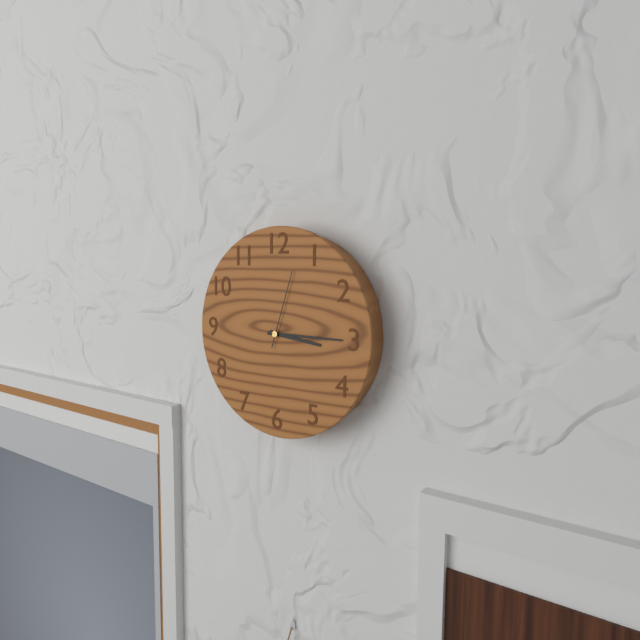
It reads 3 h 15 min 03 s
